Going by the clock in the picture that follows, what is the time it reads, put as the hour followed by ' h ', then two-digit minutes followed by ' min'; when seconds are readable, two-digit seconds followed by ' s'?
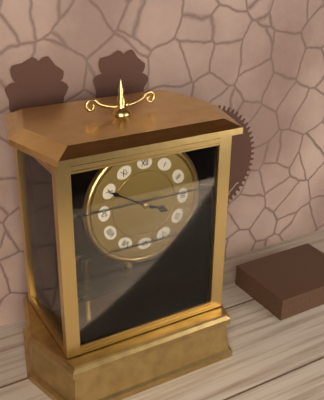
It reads 3 h 50 min
